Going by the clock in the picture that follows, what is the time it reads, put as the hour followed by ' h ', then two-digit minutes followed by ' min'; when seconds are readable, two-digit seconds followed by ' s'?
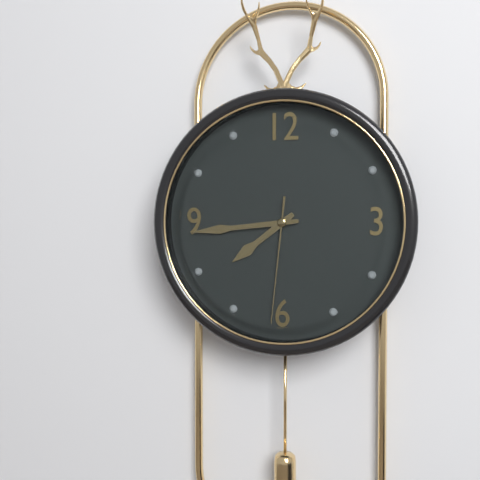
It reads 7 h 44 min 31 s
